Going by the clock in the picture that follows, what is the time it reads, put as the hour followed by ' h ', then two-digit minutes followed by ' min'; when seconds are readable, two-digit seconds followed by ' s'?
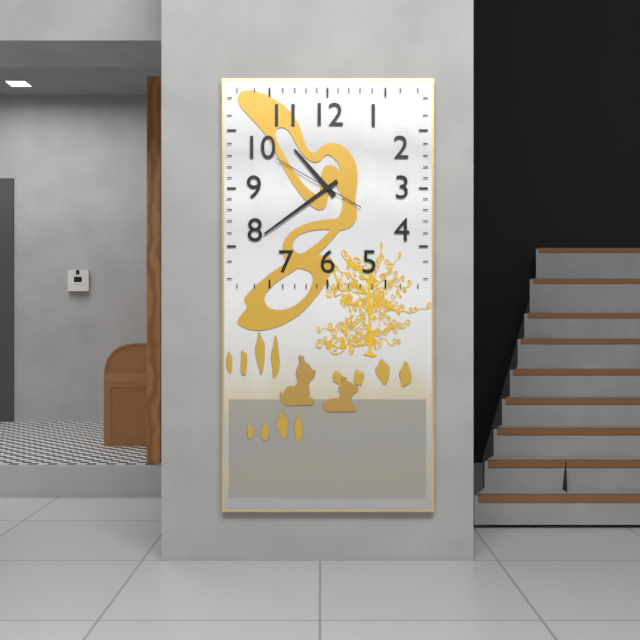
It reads 10 h 39 min 50 s
